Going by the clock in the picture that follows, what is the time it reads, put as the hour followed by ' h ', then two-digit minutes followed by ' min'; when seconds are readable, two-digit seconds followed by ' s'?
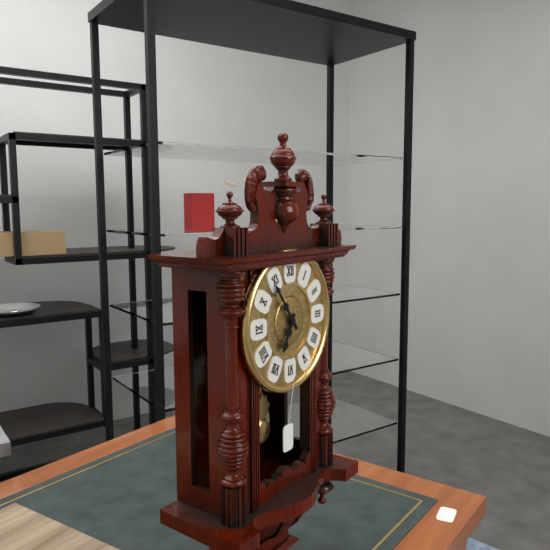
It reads 6 h 54 min
